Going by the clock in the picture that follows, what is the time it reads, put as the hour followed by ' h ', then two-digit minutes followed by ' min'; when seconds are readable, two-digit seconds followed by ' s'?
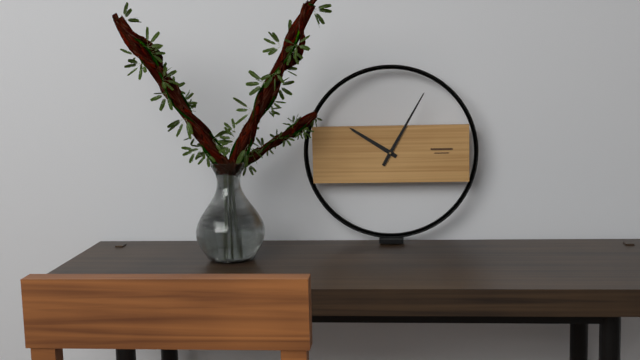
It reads 10 h 05 min
